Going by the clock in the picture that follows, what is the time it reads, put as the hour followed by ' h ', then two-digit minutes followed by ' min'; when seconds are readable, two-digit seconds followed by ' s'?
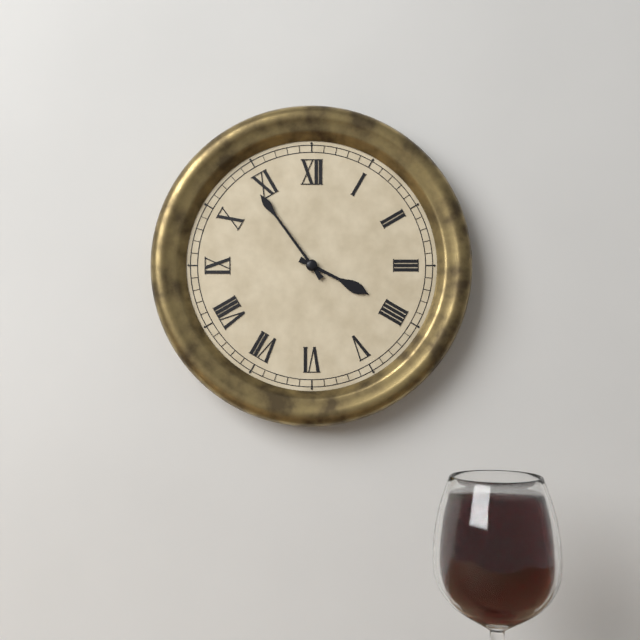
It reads 3 h 54 min
